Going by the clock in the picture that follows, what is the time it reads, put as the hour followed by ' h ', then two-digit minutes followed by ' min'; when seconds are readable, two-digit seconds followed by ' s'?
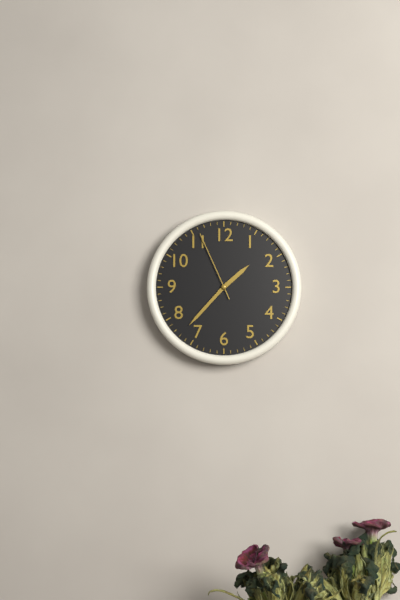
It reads 1 h 37 min 56 s
